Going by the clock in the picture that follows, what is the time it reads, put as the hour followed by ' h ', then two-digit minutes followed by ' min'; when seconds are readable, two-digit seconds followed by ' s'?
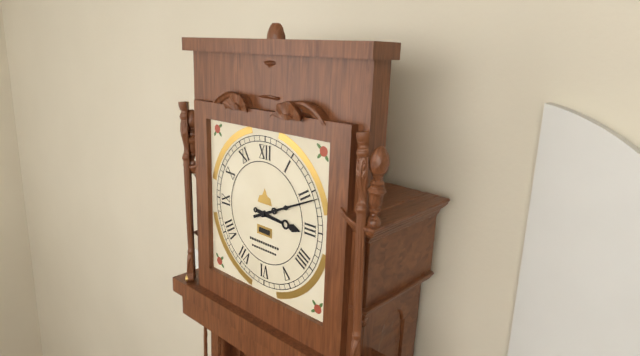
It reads 3 h 11 min
